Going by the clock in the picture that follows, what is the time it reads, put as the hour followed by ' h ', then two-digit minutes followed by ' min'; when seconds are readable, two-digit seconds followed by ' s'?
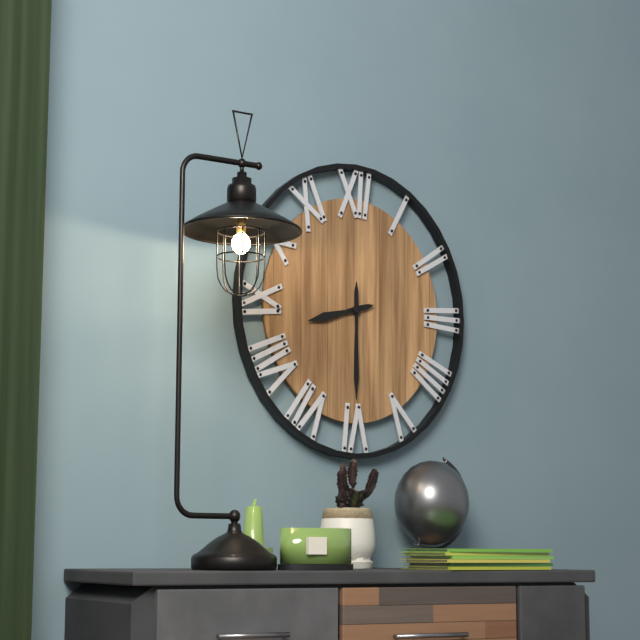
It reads 8 h 30 min
